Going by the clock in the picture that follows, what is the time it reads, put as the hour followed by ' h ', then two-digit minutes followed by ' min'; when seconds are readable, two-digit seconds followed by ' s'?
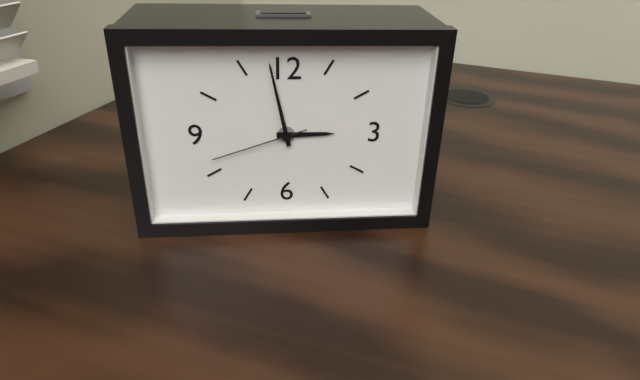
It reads 2 h 58 min 42 s
